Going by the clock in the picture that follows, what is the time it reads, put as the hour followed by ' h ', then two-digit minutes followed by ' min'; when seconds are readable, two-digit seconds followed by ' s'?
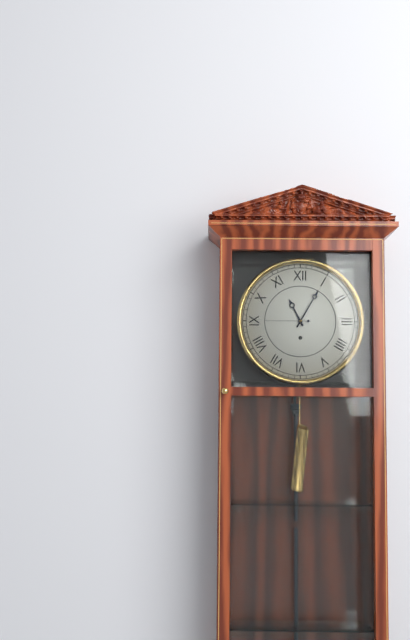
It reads 11 h 05 min
